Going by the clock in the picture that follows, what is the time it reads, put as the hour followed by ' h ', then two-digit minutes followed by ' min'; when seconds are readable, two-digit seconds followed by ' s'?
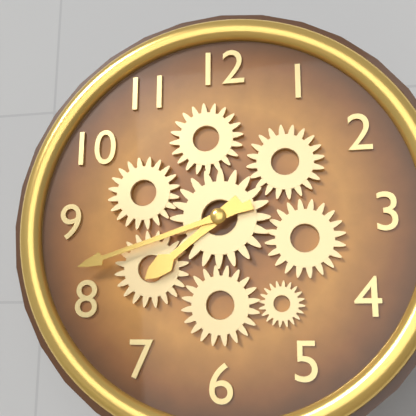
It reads 7 h 42 min
